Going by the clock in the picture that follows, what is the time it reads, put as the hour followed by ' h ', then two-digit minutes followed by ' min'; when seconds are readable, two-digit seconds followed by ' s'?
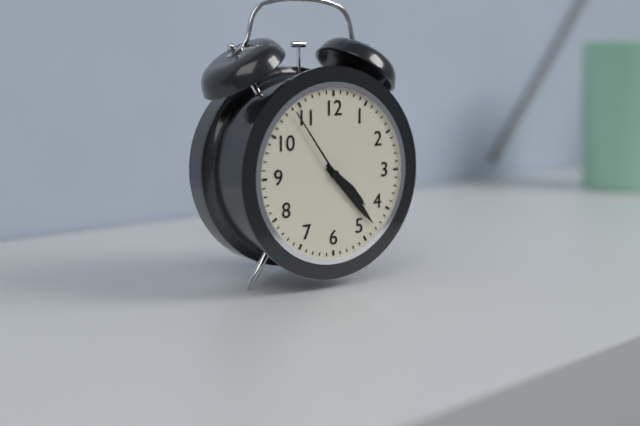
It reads 4 h 23 min 54 s
